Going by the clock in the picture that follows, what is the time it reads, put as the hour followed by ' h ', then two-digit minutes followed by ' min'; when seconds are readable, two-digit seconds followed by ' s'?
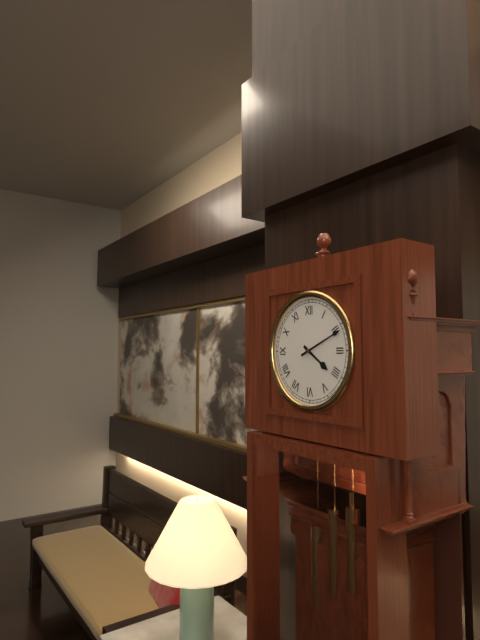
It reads 4 h 11 min
